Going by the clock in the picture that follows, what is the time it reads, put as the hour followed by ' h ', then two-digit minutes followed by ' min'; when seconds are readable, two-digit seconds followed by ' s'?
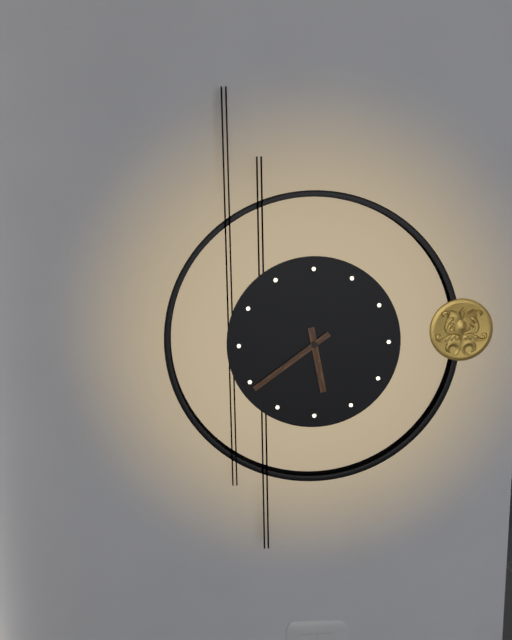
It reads 5 h 39 min
